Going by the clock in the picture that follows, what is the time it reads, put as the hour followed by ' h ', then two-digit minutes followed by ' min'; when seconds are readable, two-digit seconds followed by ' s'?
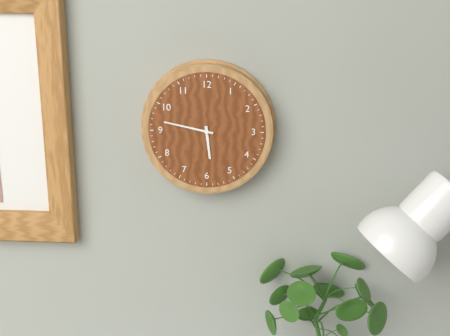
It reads 5 h 47 min
